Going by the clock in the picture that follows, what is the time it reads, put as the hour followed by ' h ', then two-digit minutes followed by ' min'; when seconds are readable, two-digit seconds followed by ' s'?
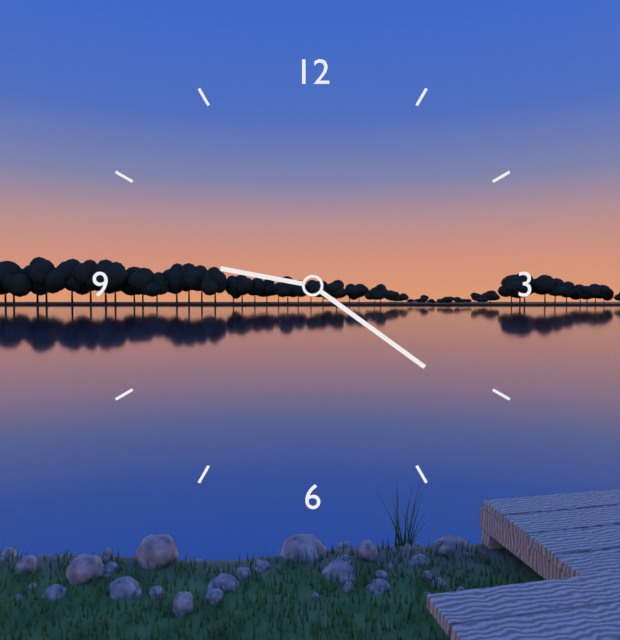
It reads 9 h 21 min
